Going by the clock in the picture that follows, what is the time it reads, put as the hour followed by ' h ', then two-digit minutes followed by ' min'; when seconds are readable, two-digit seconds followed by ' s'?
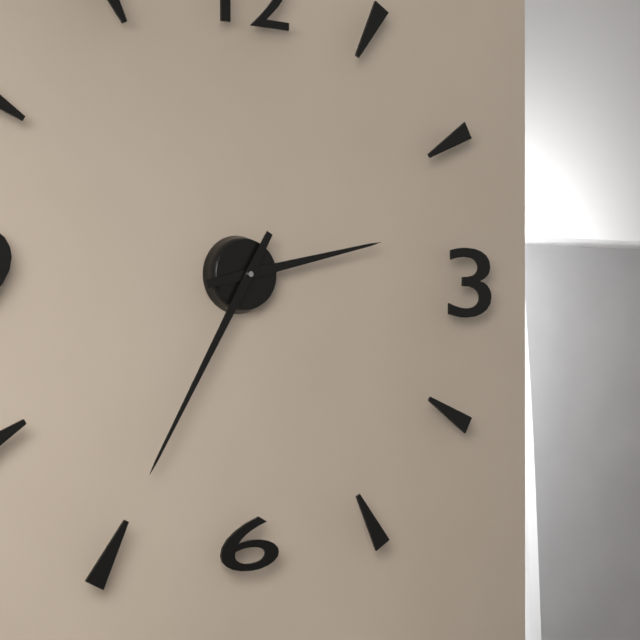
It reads 2 h 35 min
